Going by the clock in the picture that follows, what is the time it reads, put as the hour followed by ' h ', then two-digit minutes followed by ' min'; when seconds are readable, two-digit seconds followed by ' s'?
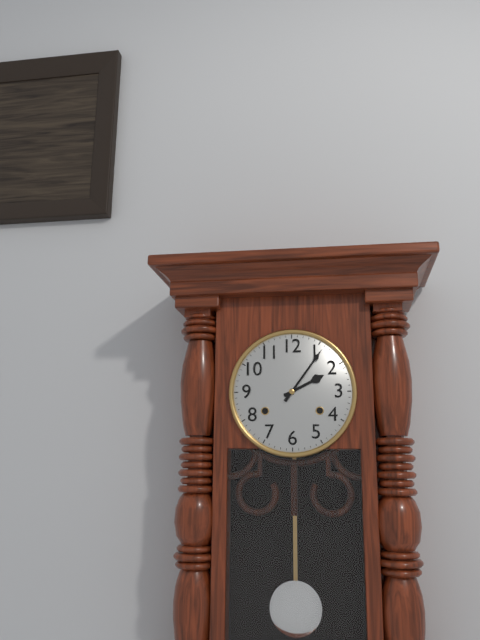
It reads 2 h 06 min
